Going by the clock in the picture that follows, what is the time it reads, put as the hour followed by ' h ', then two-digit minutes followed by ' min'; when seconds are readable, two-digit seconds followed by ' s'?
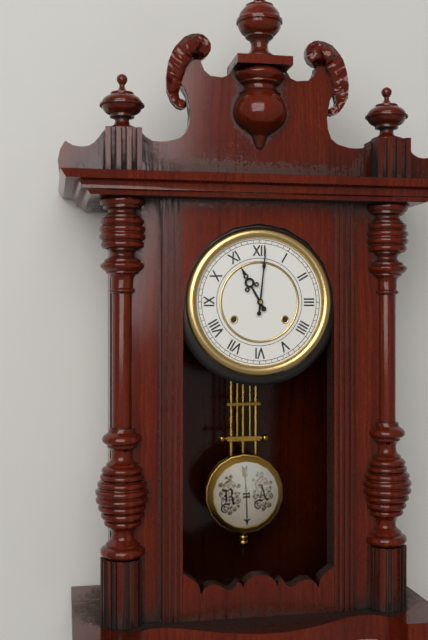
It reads 11 h 01 min
